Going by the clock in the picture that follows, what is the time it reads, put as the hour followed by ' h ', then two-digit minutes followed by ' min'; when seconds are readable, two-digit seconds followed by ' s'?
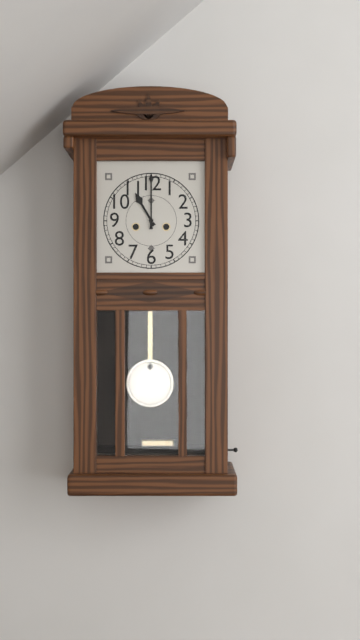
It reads 11 h 00 min
